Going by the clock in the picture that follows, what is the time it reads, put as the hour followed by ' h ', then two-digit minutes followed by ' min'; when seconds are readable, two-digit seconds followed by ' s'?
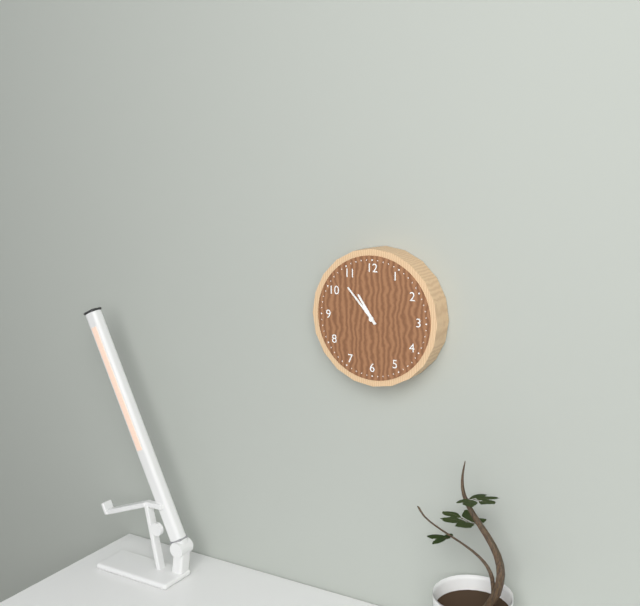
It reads 10 h 53 min
